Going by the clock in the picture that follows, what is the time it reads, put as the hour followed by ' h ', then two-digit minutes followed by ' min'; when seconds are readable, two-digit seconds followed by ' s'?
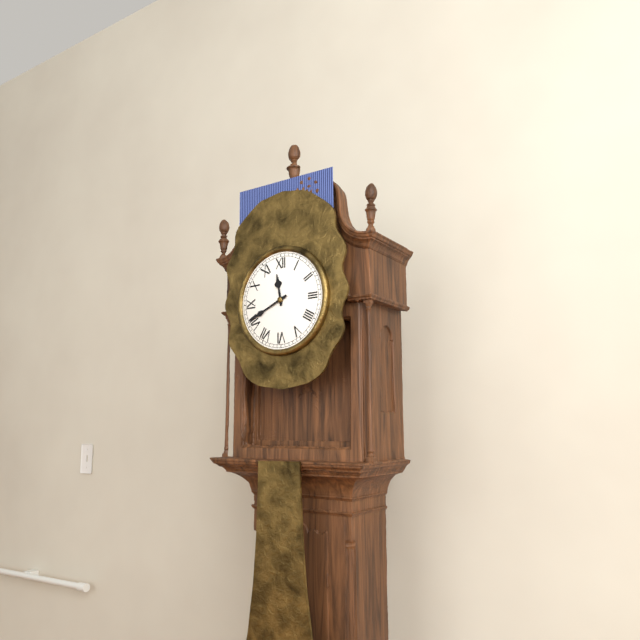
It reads 11 h 41 min
